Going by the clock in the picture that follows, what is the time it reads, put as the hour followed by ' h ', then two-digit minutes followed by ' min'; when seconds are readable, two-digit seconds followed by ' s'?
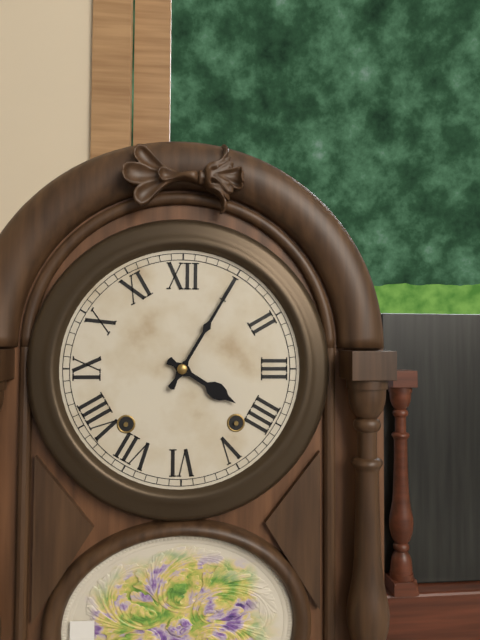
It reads 4 h 05 min
